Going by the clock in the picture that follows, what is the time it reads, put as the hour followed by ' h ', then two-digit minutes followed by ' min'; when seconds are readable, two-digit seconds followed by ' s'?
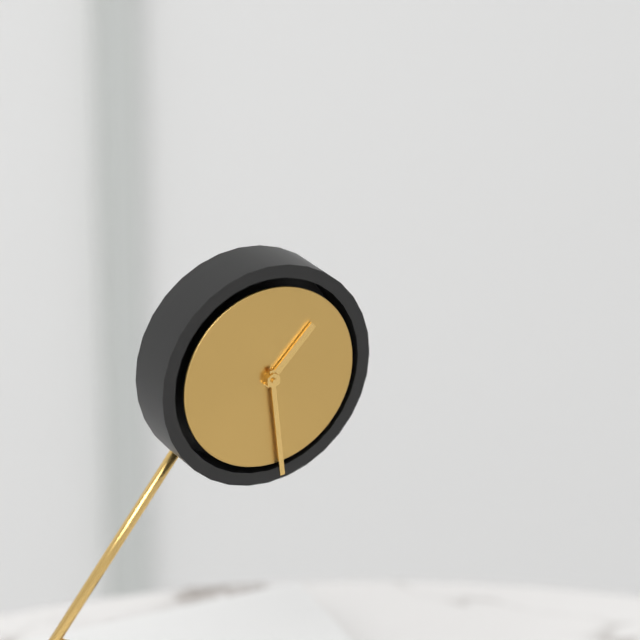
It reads 1 h 29 min
